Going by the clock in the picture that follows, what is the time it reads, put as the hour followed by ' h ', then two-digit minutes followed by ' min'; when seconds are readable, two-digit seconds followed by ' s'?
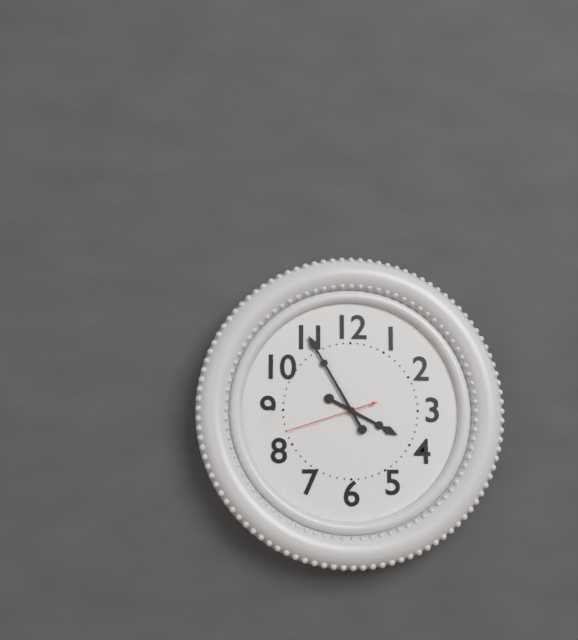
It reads 3 h 55 min 42 s
